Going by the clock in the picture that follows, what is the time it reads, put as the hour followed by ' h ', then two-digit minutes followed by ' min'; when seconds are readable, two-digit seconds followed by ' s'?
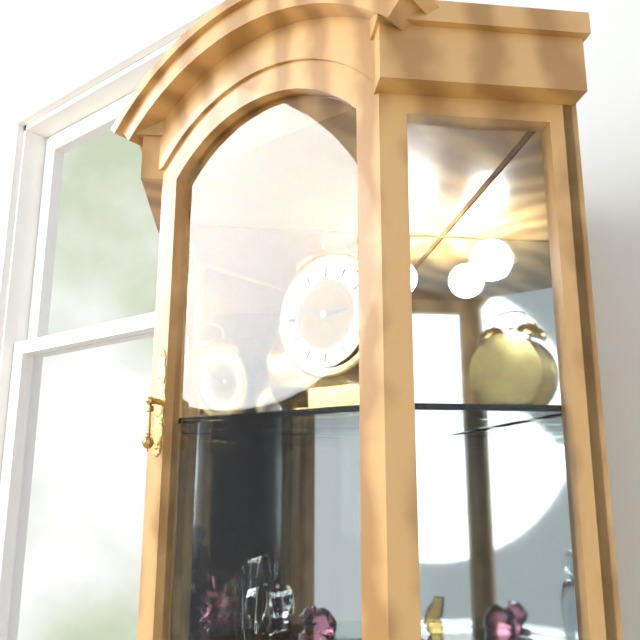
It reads 2 h 48 min
